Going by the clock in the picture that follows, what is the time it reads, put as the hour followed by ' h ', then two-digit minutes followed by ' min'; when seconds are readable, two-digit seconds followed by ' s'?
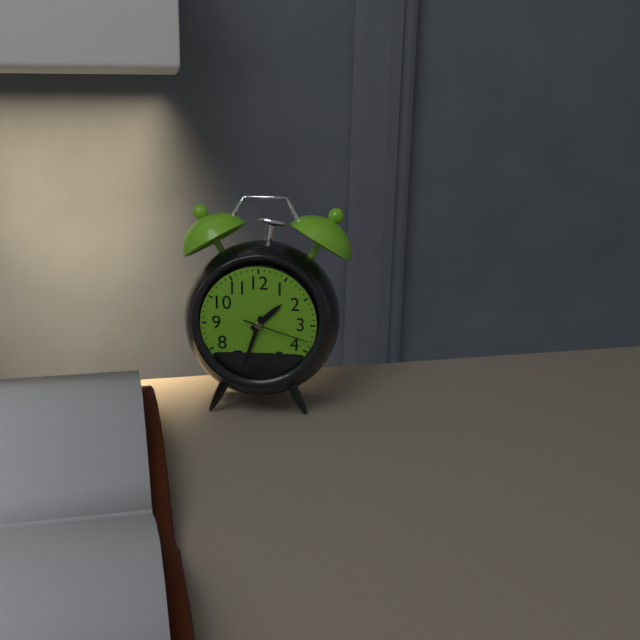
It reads 1 h 33 min 18 s
